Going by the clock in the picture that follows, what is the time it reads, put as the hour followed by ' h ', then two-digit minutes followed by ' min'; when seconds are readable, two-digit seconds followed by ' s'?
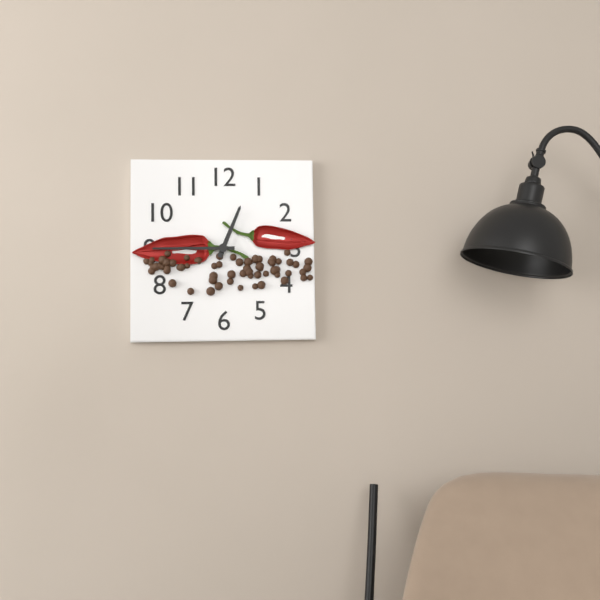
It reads 12 h 45 min
